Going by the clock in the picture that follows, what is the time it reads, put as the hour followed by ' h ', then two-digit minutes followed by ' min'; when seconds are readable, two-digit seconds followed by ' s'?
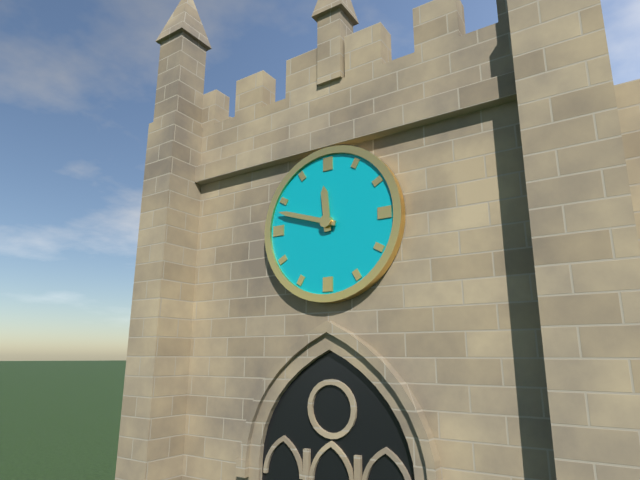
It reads 11 h 48 min
